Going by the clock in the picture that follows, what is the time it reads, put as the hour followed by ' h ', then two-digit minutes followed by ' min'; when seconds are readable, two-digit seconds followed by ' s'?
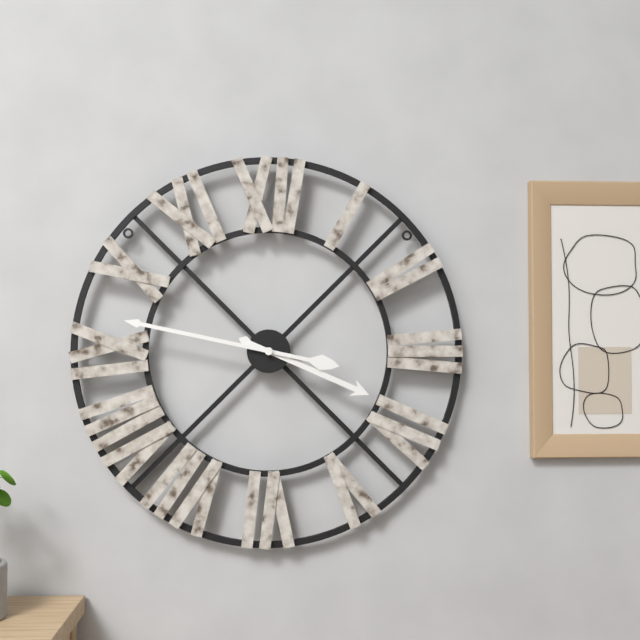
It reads 3 h 47 min
